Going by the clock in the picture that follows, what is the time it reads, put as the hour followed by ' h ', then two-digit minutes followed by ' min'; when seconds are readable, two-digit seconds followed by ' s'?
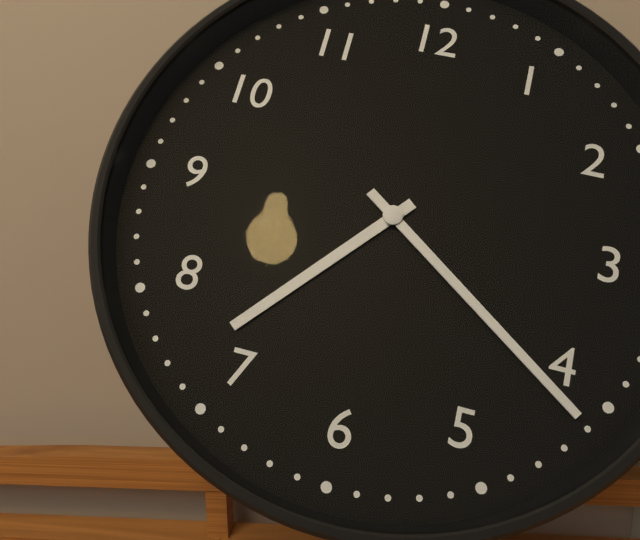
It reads 7 h 21 min
